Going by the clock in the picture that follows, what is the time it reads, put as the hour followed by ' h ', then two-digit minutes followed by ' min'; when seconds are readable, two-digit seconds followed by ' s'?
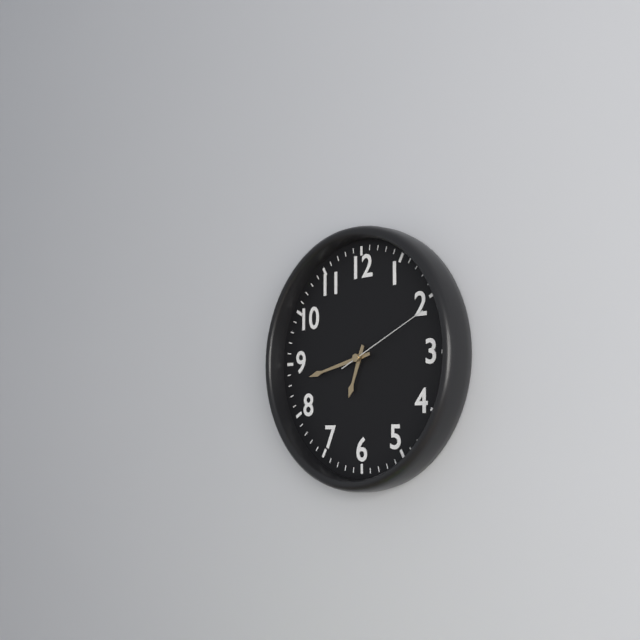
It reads 6 h 43 min 11 s
